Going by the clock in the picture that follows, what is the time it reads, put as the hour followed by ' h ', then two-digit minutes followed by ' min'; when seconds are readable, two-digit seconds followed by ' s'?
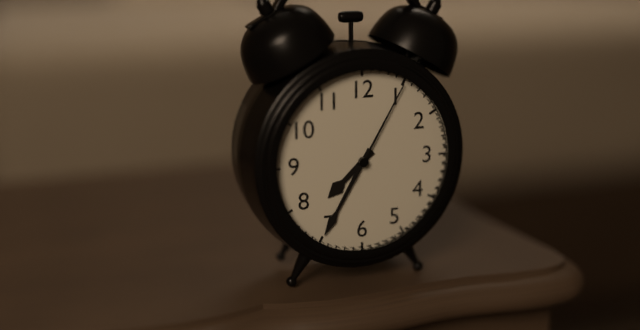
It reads 7 h 35 min 05 s
